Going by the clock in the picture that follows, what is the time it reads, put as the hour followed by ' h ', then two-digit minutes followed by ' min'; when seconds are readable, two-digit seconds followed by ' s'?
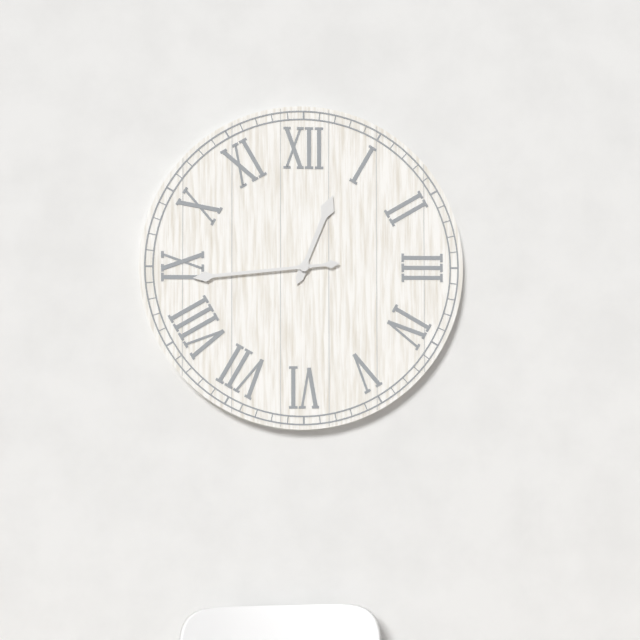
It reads 12 h 44 min
